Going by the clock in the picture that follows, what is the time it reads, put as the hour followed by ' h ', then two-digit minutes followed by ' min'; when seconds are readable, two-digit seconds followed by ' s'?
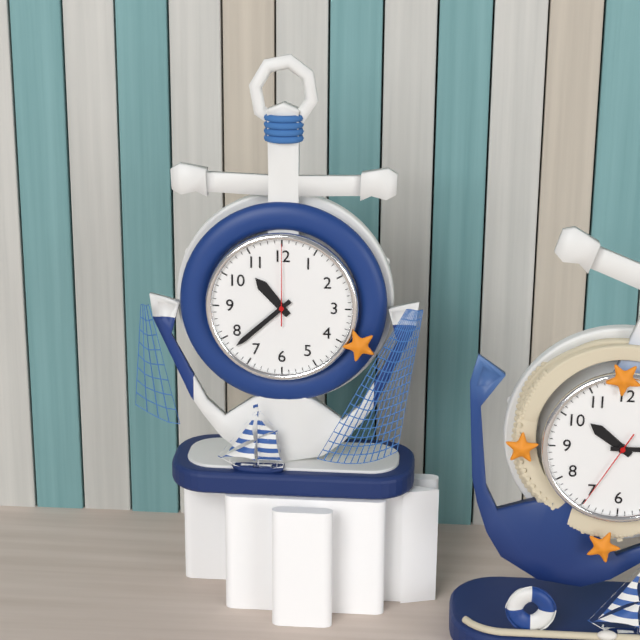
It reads 10 h 38 min 00 s
